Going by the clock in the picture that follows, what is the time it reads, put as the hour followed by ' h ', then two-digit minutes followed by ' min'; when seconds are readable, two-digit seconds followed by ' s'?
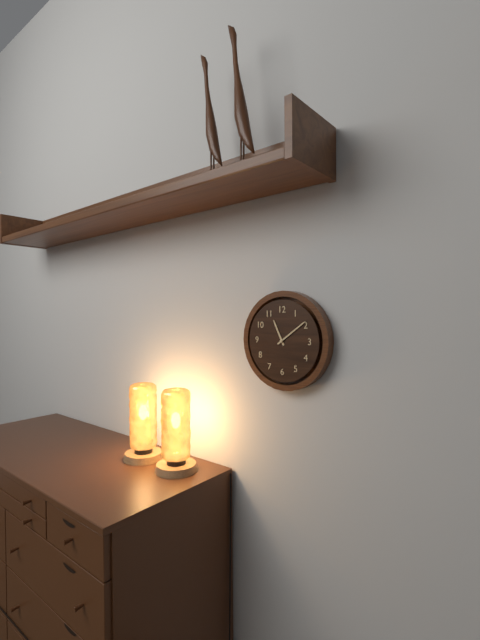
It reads 11 h 09 min
